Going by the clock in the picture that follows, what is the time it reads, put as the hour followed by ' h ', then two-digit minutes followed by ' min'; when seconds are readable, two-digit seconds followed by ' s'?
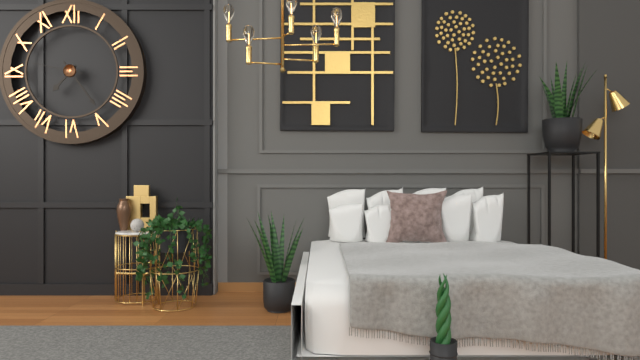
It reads 7 h 24 min 47 s
